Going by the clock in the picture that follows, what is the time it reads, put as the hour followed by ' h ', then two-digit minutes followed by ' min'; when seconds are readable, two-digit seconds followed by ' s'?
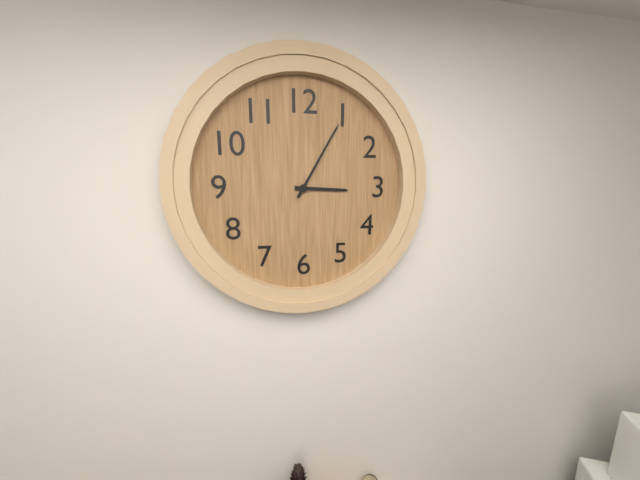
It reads 3 h 05 min
